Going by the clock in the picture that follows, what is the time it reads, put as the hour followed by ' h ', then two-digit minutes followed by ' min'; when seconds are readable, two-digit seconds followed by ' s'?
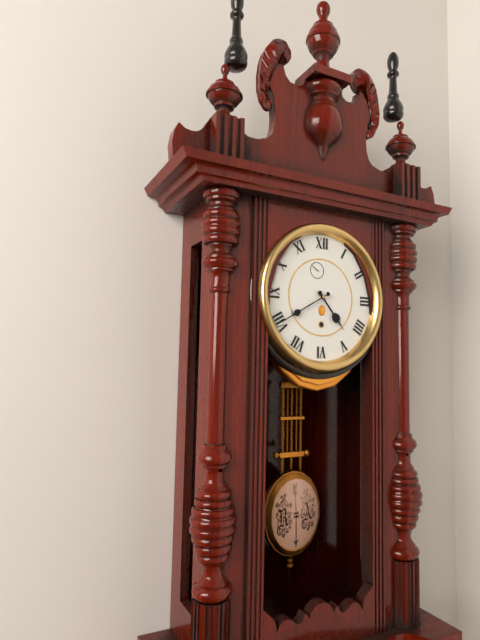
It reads 4 h 40 min
